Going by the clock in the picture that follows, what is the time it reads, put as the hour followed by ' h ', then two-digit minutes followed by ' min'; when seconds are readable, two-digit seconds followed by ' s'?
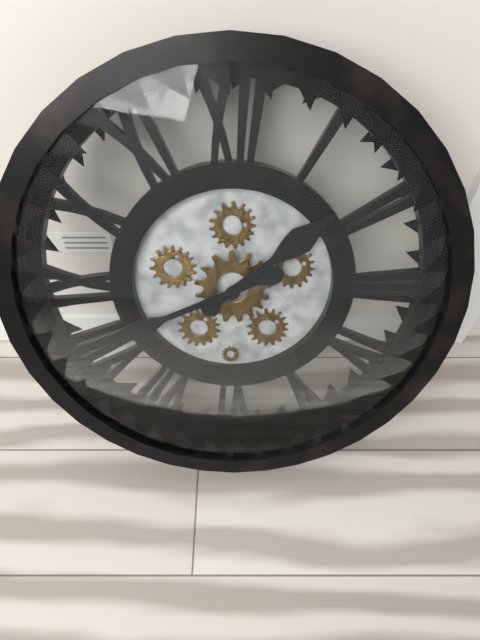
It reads 1 h 41 min
